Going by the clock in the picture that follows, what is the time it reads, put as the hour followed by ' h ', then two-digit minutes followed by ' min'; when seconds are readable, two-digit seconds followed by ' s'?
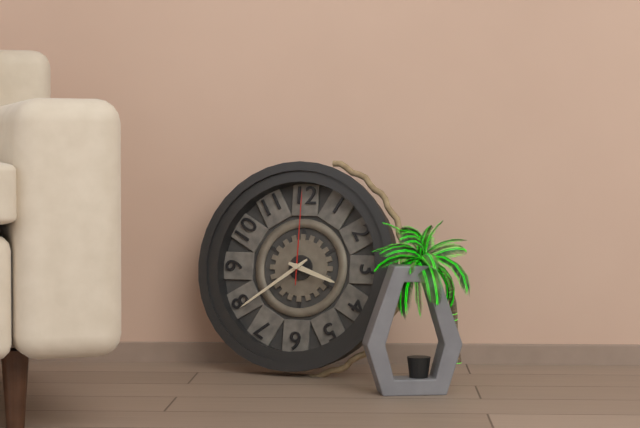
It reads 3 h 39 min 00 s
